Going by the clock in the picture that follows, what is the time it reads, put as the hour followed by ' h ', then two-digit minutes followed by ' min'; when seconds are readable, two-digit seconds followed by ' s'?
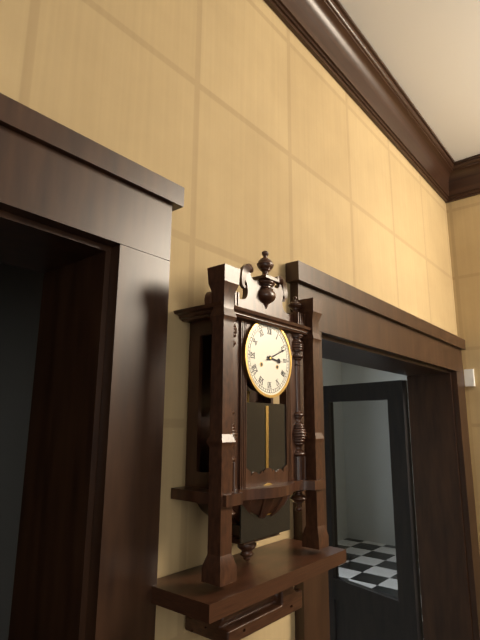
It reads 3 h 11 min
